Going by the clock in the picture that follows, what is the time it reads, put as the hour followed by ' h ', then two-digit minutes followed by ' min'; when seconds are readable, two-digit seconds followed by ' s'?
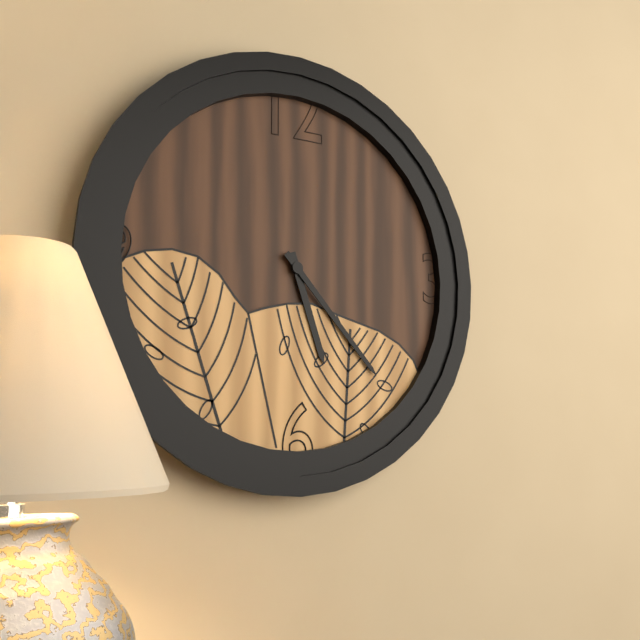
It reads 5 h 23 min
